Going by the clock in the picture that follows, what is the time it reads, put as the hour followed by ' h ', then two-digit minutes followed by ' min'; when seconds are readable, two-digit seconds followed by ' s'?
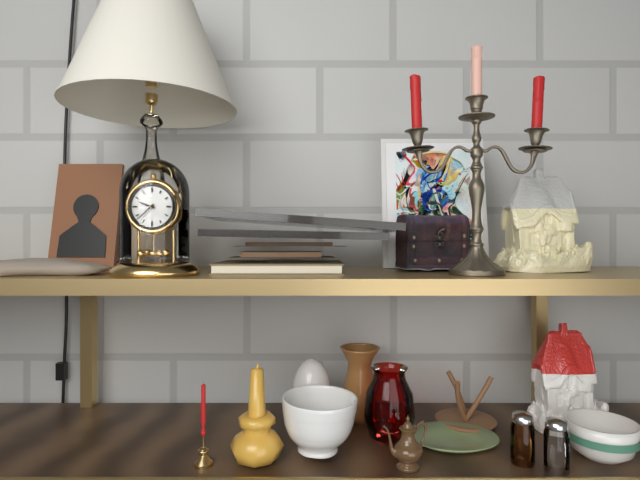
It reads 9 h 38 min
